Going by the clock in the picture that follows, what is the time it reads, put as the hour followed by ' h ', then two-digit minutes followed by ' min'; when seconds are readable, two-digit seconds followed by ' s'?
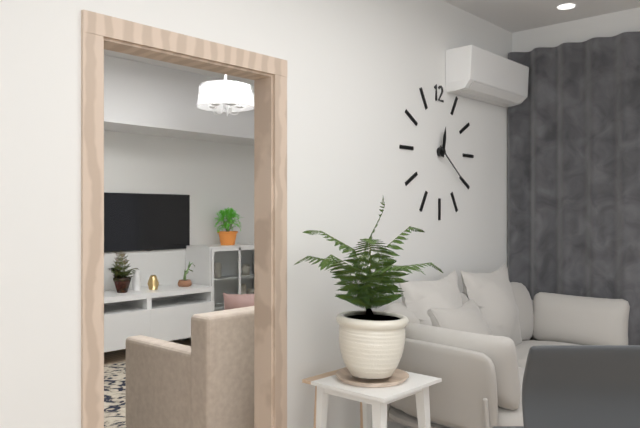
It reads 12 h 21 min
